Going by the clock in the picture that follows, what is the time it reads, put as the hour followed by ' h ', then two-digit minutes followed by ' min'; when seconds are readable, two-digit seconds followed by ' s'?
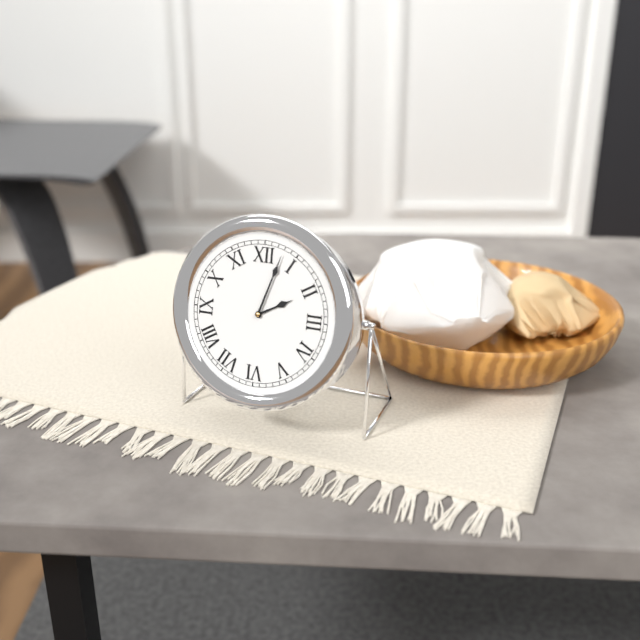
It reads 2 h 03 min
